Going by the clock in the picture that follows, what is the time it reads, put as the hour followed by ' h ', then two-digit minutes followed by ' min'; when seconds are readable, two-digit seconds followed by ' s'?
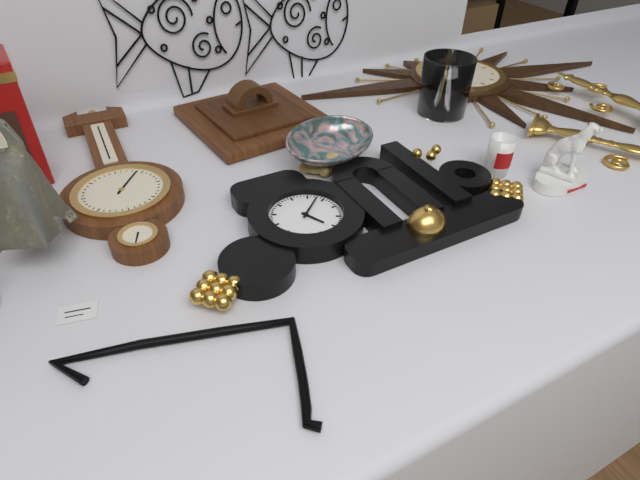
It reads 5 h 08 min
